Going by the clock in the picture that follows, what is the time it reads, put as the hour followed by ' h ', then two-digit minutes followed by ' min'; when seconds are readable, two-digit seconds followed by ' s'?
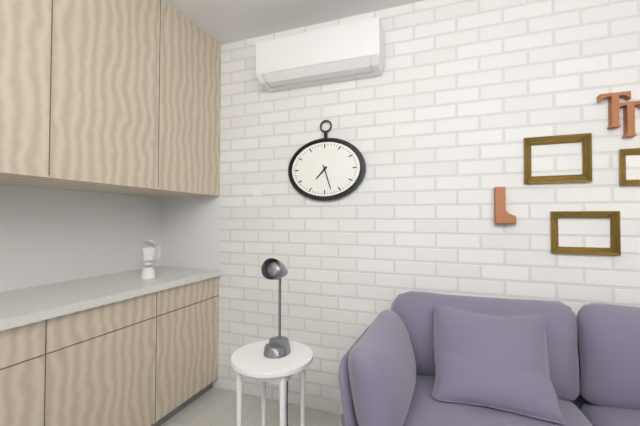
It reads 7 h 27 min
